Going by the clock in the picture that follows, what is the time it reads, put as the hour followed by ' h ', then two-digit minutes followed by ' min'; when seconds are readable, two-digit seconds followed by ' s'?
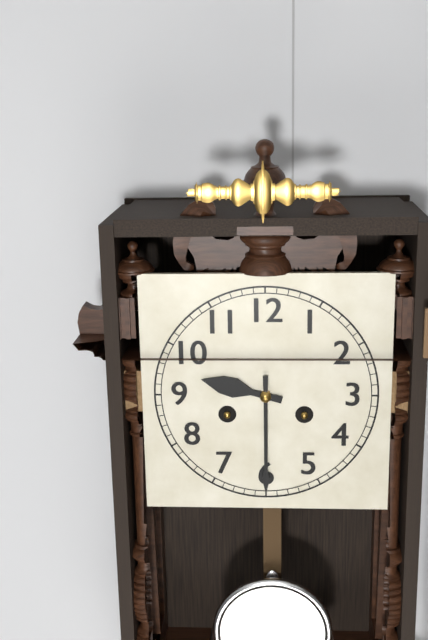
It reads 9 h 30 min
